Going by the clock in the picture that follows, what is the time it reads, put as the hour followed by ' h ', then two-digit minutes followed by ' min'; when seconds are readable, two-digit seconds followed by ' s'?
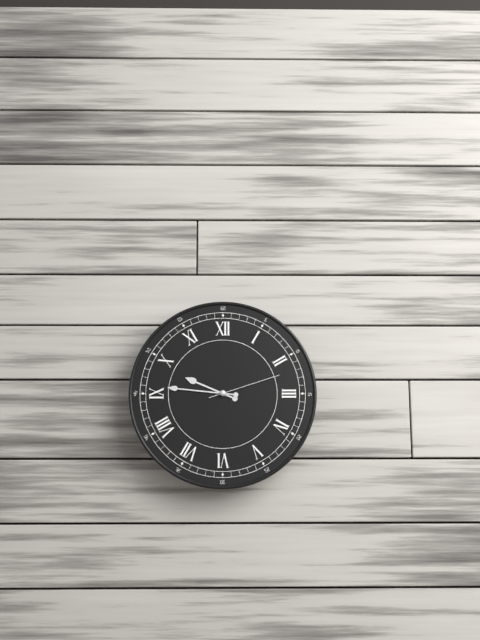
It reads 9 h 46 min 12 s
